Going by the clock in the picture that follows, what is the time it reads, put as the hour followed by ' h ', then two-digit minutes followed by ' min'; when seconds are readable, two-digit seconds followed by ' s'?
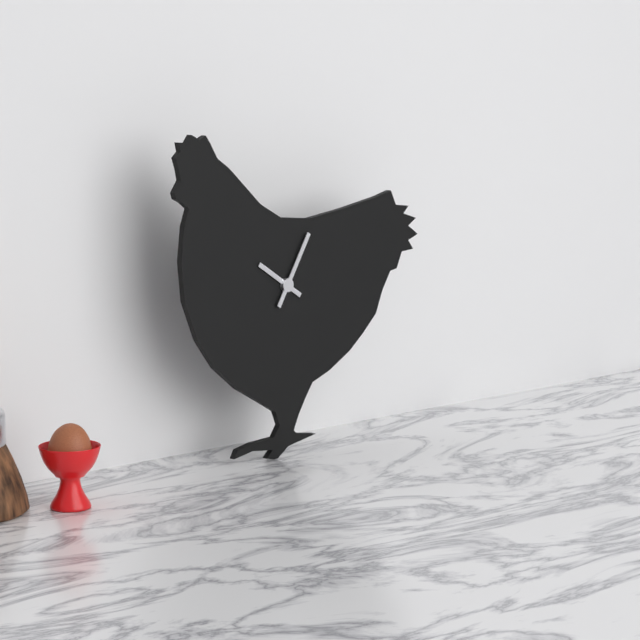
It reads 10 h 05 min
